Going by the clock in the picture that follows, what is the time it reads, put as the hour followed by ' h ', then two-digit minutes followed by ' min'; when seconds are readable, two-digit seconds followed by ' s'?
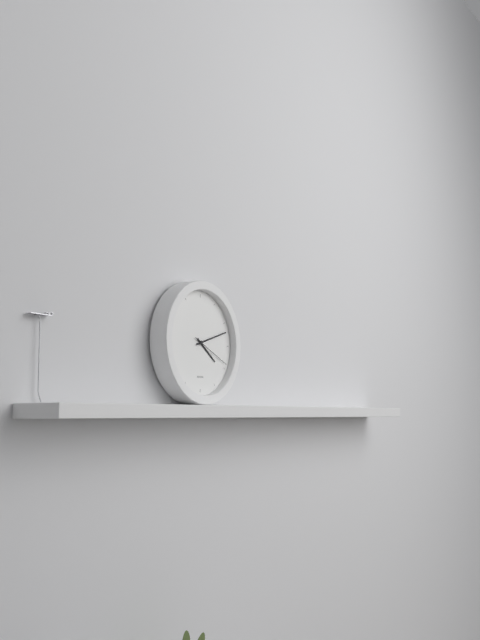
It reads 4 h 12 min
